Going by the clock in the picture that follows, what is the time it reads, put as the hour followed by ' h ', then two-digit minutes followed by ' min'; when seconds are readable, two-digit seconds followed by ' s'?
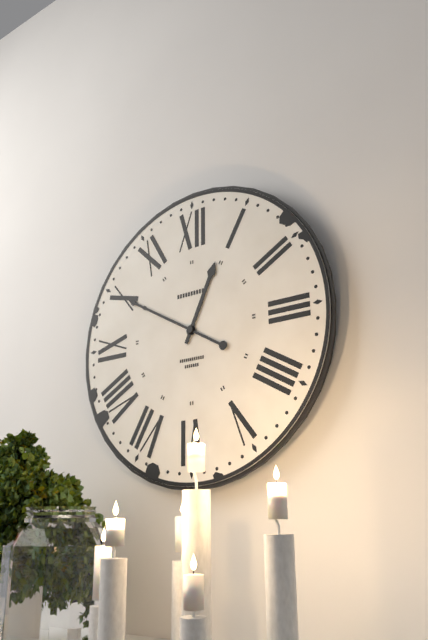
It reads 12 h 50 min
